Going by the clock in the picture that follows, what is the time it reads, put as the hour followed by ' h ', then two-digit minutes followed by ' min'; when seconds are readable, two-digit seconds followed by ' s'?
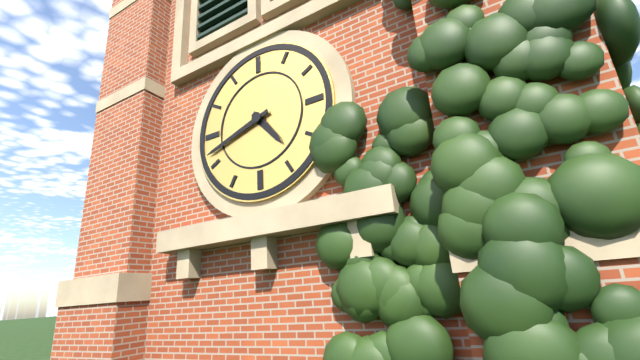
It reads 4 h 42 min
